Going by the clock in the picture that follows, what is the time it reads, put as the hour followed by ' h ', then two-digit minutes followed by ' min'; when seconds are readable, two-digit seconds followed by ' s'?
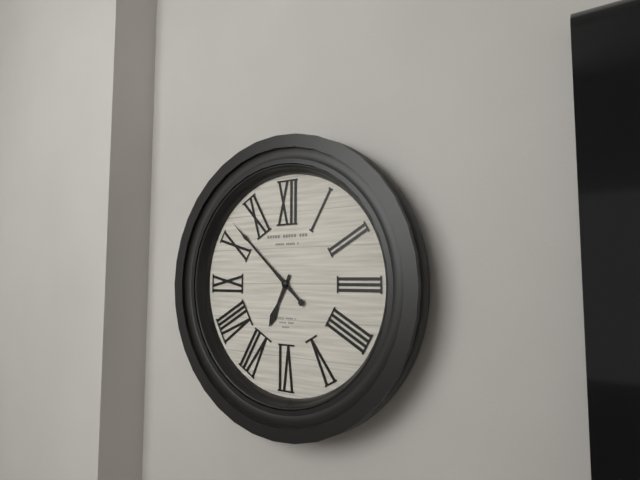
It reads 6 h 52 min
